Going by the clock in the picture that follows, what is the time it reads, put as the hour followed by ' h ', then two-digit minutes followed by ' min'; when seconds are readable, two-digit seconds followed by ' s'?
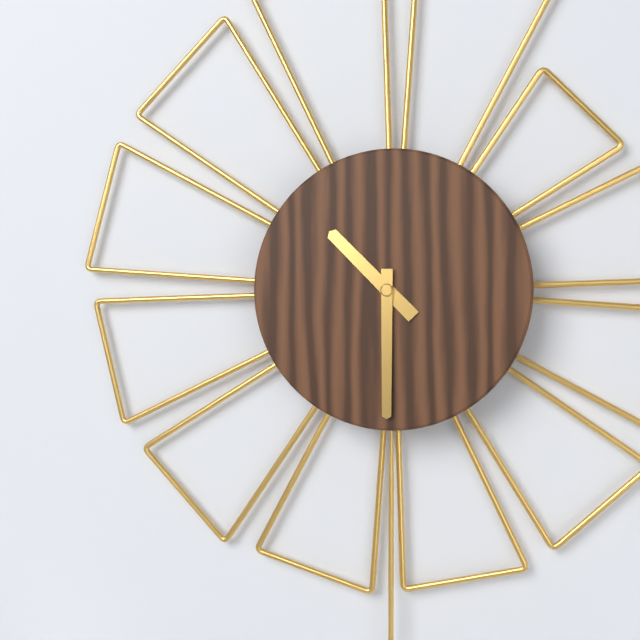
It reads 10 h 30 min
